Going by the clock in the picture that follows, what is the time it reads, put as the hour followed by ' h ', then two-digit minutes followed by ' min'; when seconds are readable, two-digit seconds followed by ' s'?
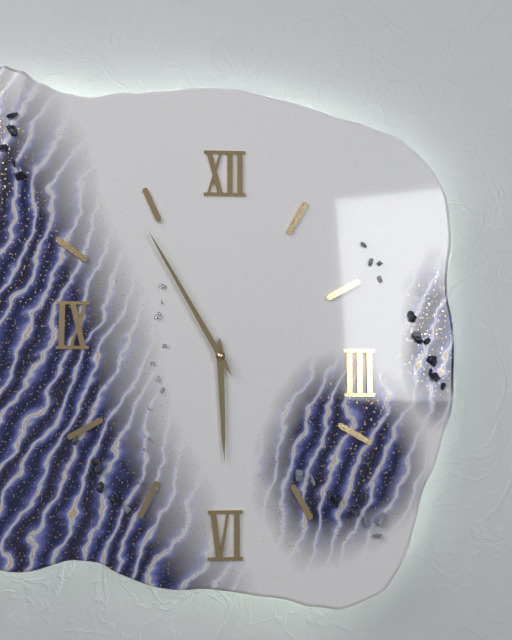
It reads 5 h 55 min
